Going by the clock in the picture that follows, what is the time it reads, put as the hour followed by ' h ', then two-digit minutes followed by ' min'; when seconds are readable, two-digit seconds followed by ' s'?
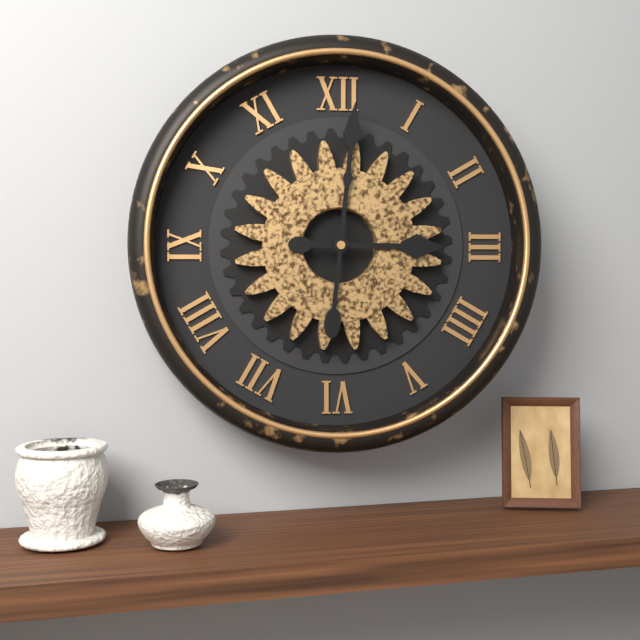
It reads 3 h 01 min
